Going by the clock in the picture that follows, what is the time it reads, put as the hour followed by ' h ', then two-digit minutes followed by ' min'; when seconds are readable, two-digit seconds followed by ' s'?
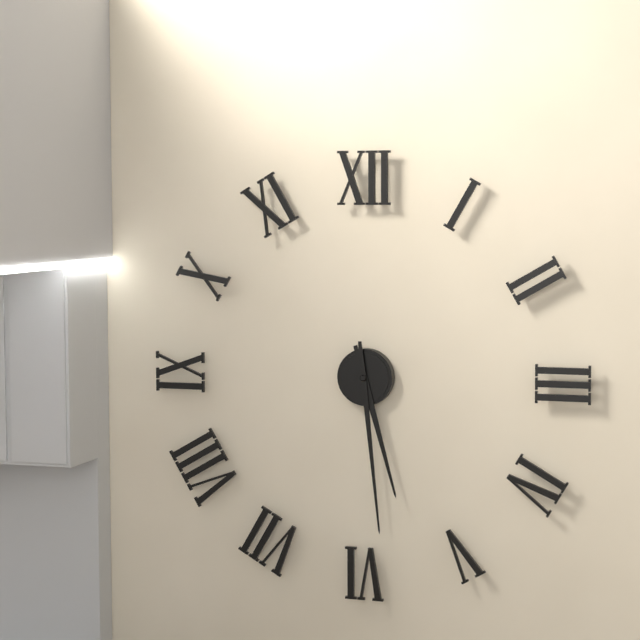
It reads 5 h 29 min
